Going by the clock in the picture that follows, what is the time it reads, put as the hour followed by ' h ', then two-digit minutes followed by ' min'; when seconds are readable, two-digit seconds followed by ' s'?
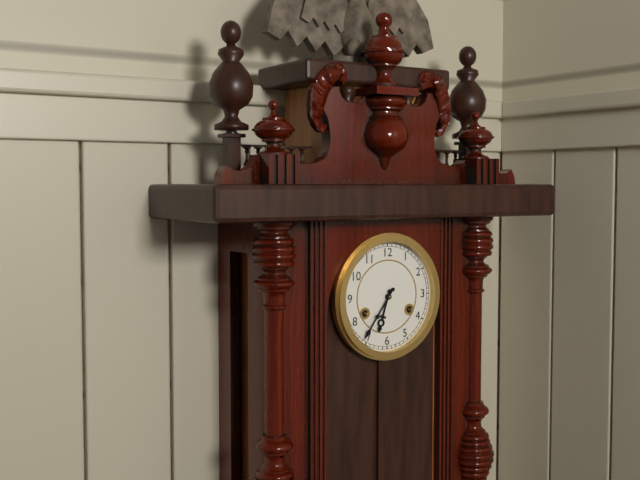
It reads 6 h 36 min
